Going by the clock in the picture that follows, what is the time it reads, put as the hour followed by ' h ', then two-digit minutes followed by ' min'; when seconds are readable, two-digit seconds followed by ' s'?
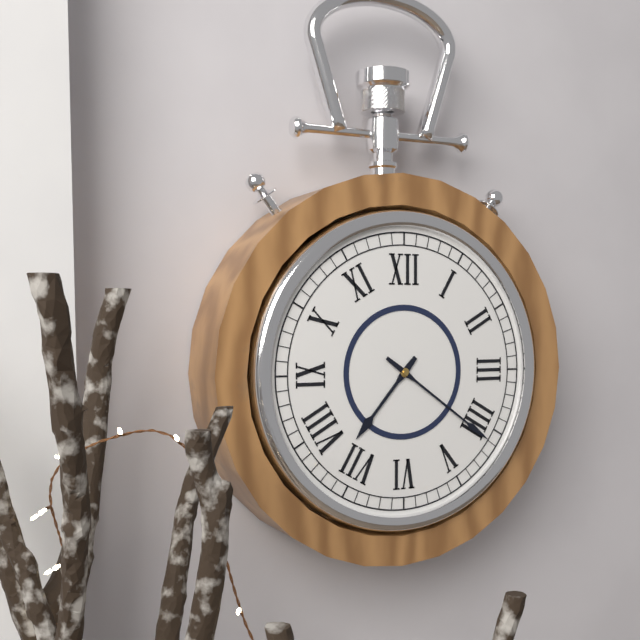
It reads 7 h 21 min
